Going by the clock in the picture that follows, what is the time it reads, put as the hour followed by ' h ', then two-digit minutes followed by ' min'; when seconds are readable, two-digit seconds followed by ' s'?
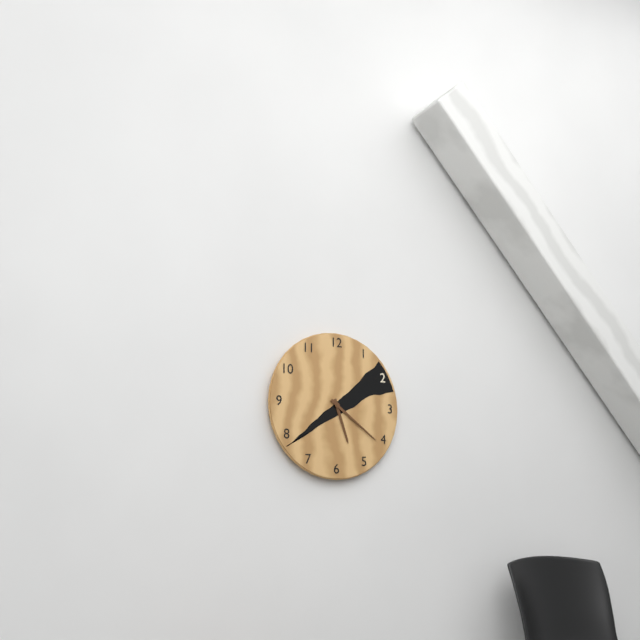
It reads 5 h 21 min
